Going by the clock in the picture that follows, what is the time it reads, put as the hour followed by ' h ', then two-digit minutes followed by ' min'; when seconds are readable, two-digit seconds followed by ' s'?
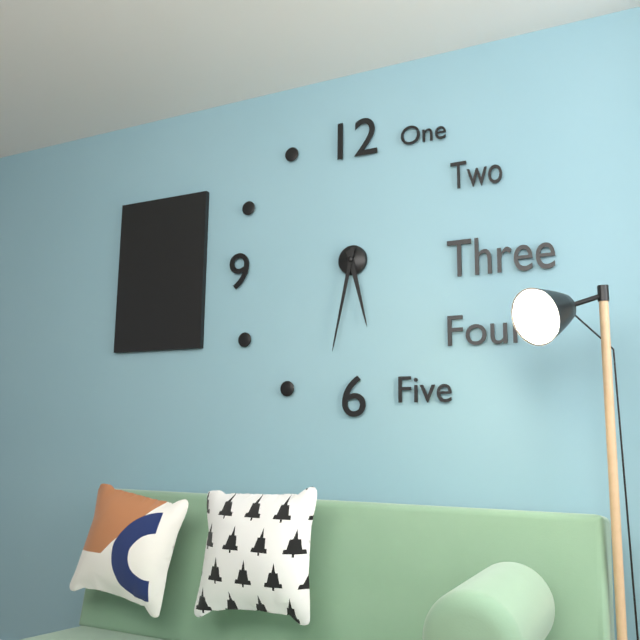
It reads 5 h 32 min
